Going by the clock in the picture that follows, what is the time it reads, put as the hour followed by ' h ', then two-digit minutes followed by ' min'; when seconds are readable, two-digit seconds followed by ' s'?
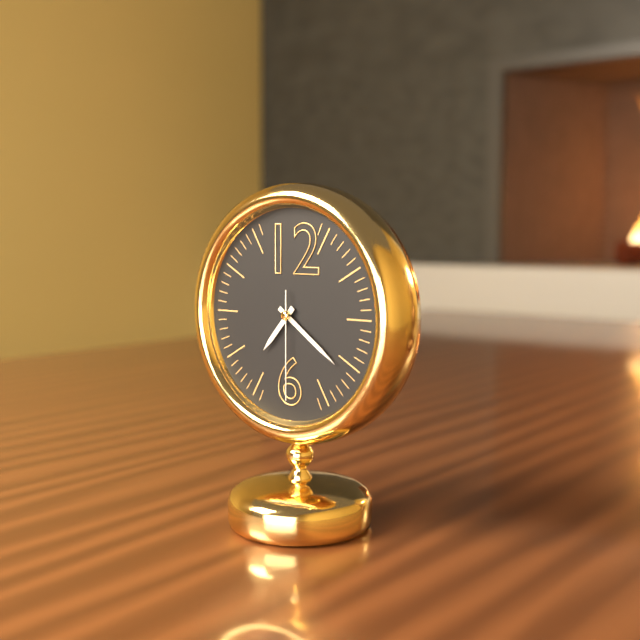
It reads 7 h 21 min 30 s
